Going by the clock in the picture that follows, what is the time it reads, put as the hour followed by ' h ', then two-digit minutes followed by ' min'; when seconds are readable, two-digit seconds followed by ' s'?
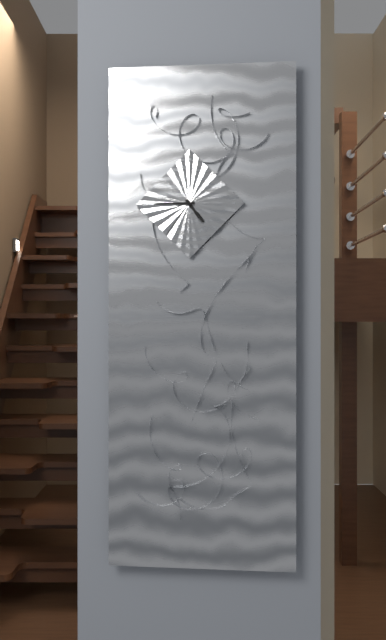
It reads 4 h 45 min
